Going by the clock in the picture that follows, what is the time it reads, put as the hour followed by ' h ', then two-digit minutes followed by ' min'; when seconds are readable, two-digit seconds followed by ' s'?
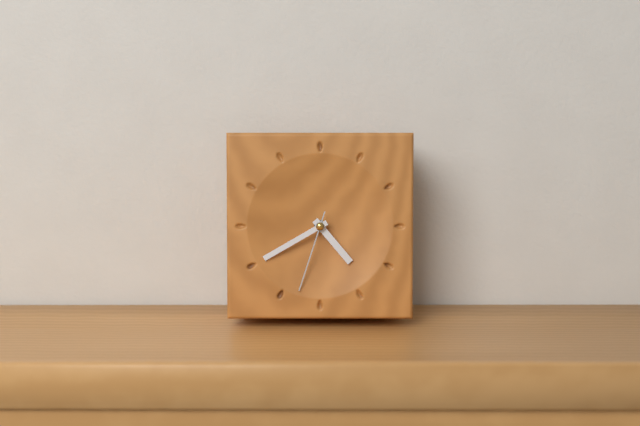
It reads 4 h 40 min 33 s
